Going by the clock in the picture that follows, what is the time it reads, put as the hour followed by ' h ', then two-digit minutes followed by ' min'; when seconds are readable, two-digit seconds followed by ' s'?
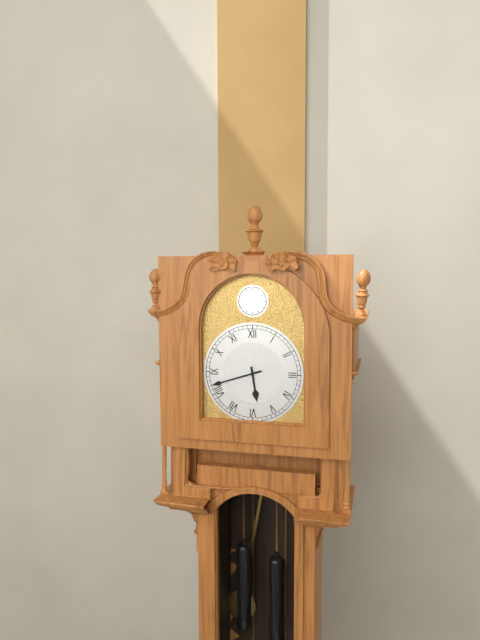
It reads 5 h 42 min
